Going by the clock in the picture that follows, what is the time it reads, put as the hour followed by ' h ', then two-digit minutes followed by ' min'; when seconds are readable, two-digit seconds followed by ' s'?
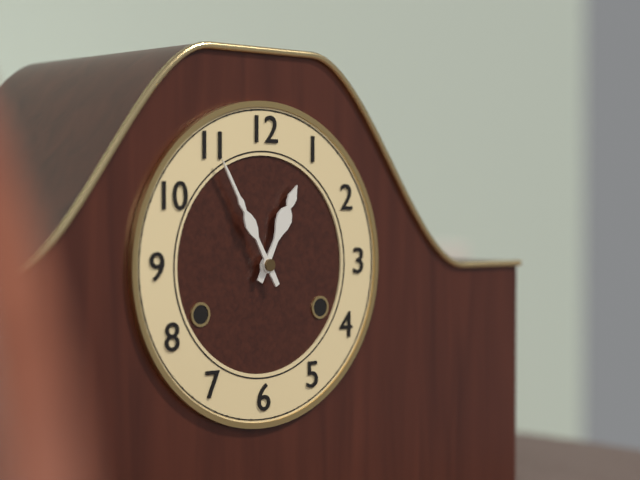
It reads 12 h 55 min
